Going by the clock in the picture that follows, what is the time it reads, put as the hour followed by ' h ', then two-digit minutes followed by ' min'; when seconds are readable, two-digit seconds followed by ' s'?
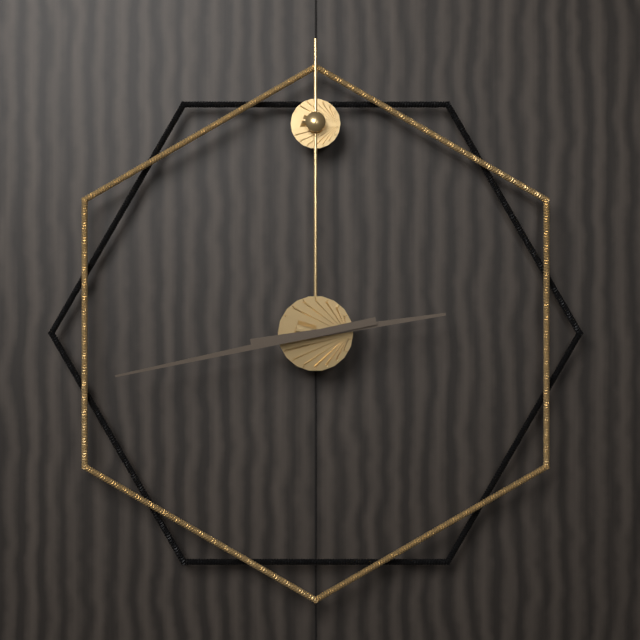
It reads 2 h 43 min
